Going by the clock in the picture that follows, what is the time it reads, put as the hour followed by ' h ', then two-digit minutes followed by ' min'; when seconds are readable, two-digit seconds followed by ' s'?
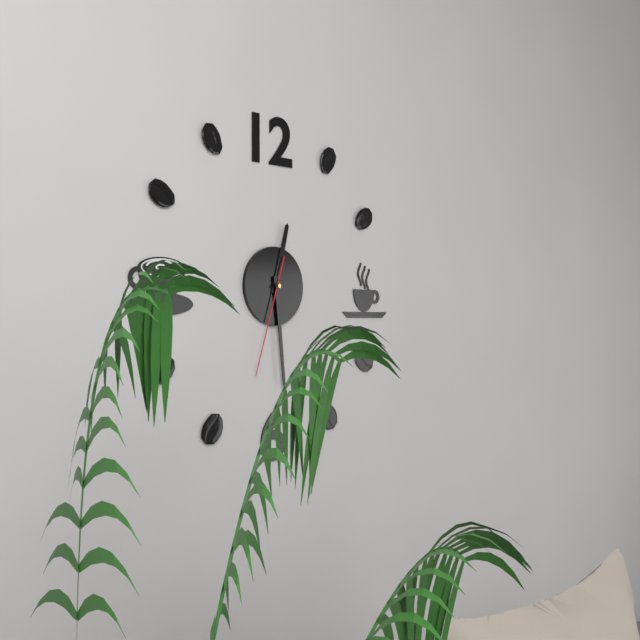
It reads 12 h 29 min 33 s
